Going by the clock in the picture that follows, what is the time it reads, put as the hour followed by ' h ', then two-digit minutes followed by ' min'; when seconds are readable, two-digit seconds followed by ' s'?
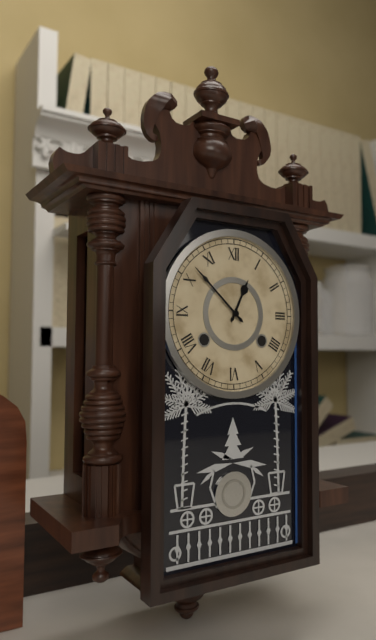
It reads 12 h 52 min
